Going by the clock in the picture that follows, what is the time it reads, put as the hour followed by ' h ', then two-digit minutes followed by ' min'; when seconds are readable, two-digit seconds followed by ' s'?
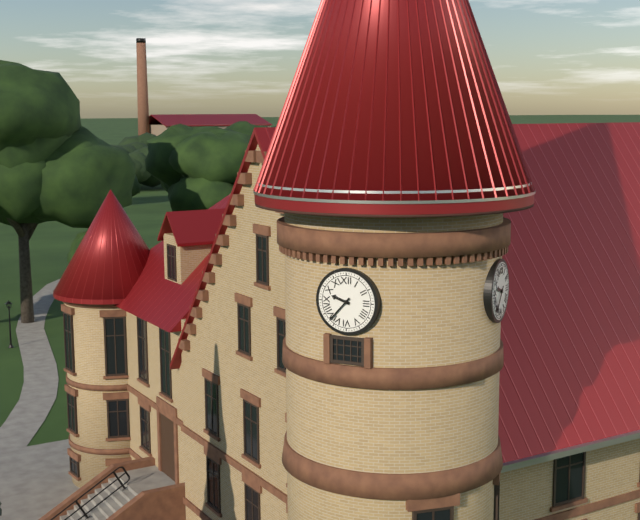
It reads 9 h 37 min
